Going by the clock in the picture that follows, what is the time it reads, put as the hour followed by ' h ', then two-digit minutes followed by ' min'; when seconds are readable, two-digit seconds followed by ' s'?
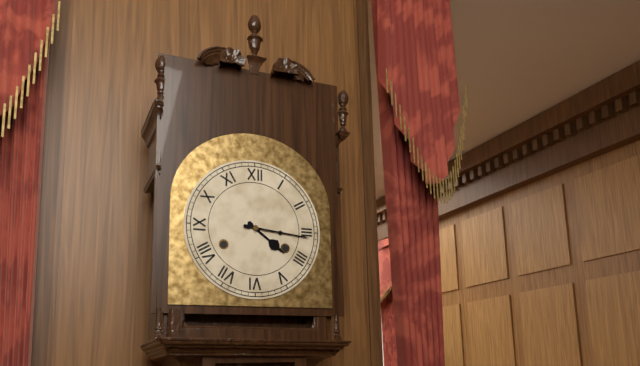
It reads 4 h 16 min
